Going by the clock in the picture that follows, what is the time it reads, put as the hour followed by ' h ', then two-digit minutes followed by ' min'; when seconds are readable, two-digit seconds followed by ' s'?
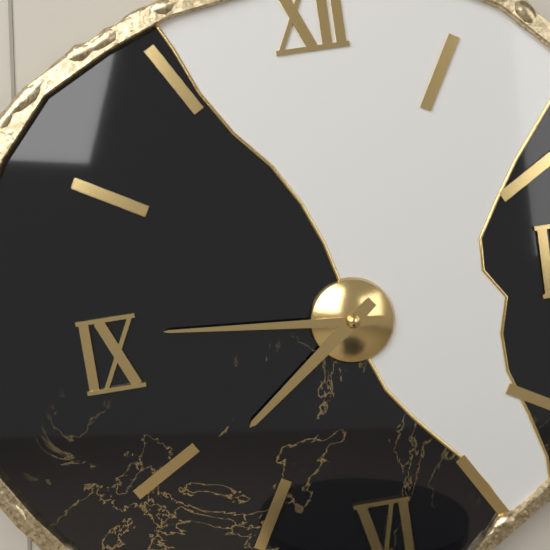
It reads 7 h 46 min
